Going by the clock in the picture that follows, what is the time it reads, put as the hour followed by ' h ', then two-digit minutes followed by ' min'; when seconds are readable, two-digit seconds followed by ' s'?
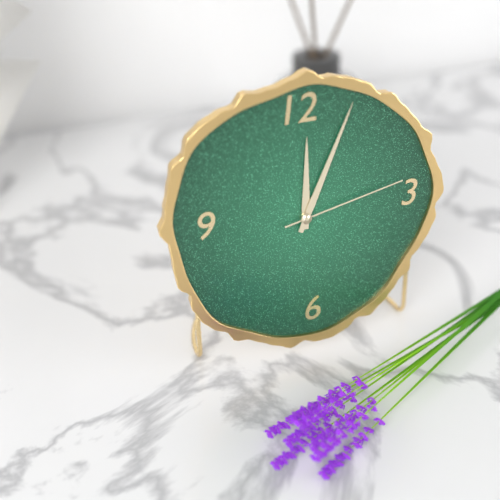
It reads 12 h 04 min 13 s
